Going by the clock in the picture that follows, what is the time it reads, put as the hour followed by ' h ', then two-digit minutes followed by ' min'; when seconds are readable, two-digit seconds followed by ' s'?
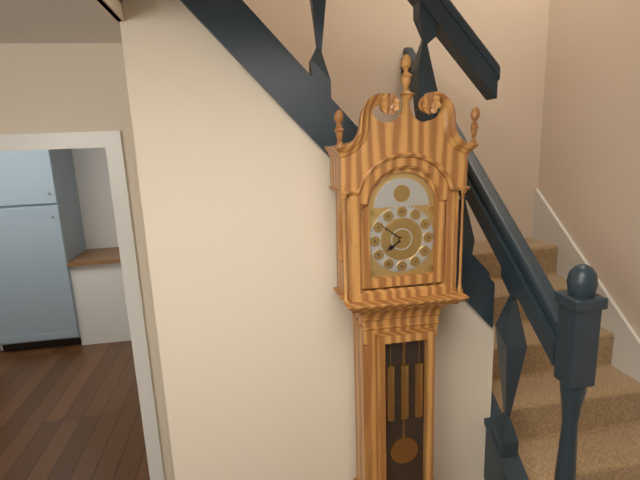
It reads 7 h 51 min
